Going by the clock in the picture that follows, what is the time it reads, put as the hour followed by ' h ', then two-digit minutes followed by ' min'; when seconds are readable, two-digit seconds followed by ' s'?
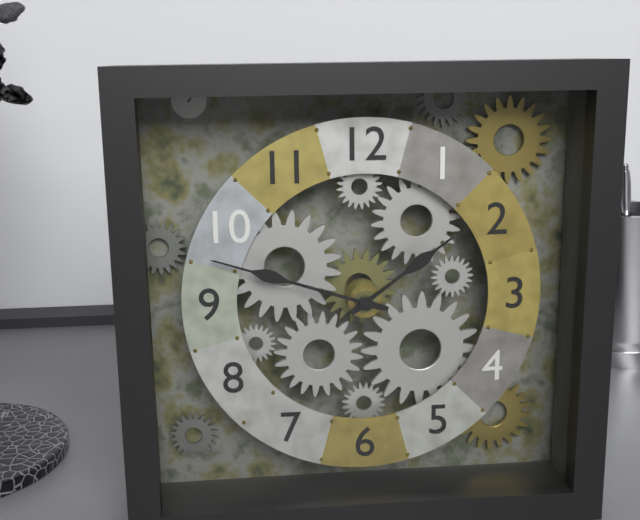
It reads 1 h 48 min
